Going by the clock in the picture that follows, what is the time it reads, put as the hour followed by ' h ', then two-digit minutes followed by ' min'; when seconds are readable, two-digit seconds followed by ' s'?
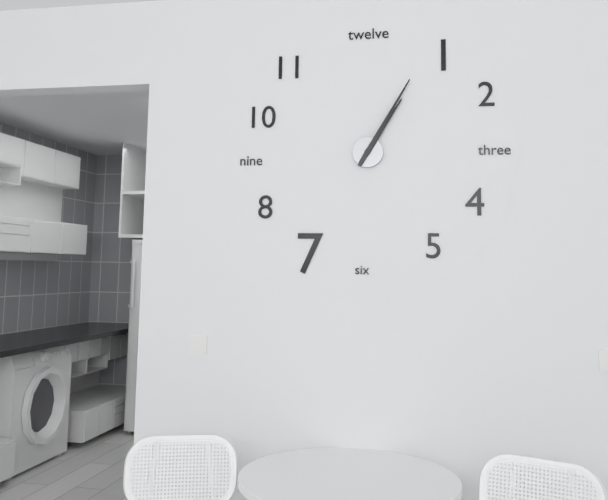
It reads 1 h 05 min
